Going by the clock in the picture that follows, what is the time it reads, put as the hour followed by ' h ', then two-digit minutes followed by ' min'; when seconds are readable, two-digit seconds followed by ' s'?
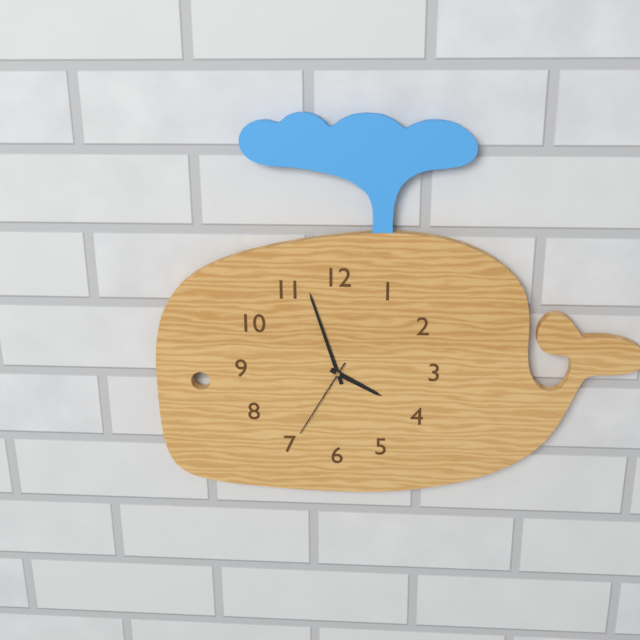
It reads 3 h 57 min 35 s
